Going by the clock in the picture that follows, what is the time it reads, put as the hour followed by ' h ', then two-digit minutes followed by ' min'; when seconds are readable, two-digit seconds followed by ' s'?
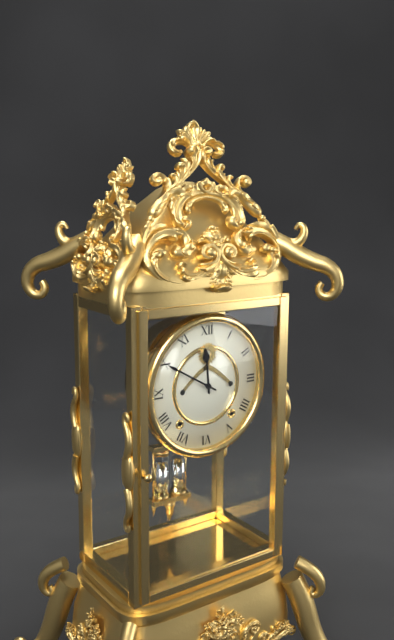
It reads 11 h 50 min
